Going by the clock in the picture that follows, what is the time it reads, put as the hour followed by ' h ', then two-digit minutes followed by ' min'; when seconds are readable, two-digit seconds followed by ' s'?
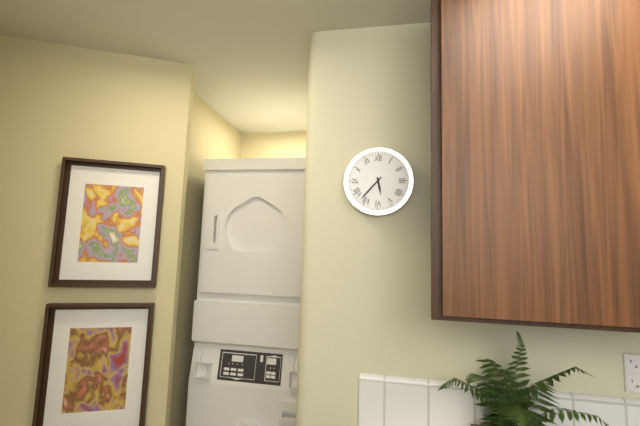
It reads 5 h 37 min
